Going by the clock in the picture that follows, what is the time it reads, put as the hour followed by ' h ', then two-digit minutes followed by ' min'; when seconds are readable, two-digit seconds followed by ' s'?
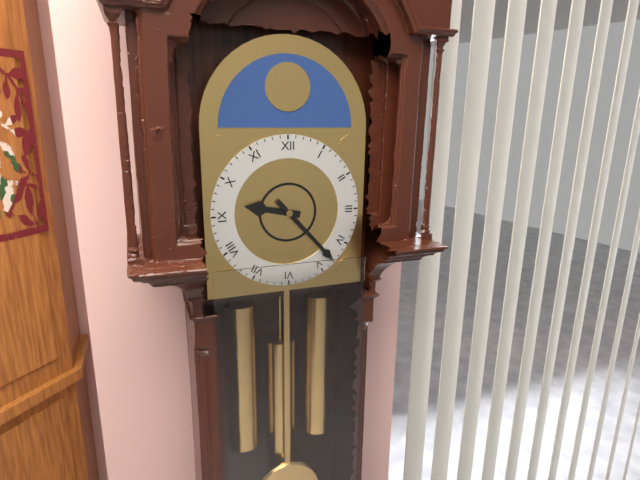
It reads 9 h 23 min
